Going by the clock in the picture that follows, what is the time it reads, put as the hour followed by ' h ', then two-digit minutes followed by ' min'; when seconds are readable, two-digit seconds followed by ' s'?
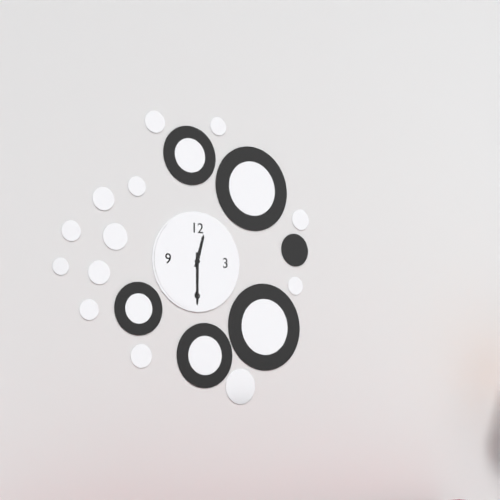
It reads 12 h 30 min
